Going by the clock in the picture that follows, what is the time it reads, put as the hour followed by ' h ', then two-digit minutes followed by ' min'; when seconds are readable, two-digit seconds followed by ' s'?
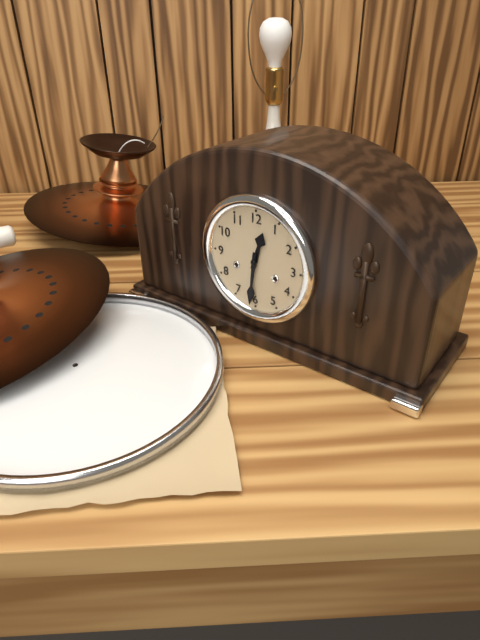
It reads 12 h 31 min
